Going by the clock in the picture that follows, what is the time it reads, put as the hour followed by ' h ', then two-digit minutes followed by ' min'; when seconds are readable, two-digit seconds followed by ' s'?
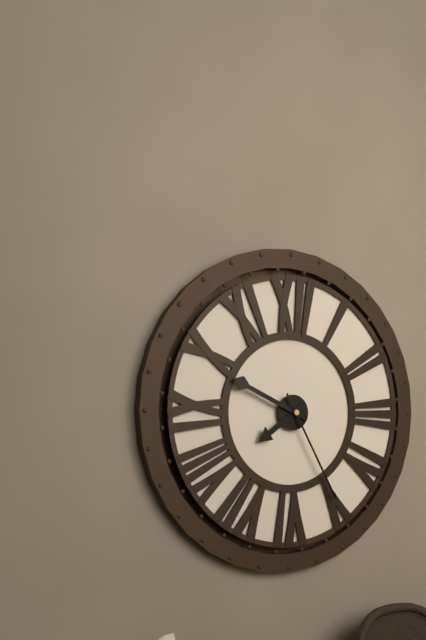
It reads 7 h 49 min 25 s
